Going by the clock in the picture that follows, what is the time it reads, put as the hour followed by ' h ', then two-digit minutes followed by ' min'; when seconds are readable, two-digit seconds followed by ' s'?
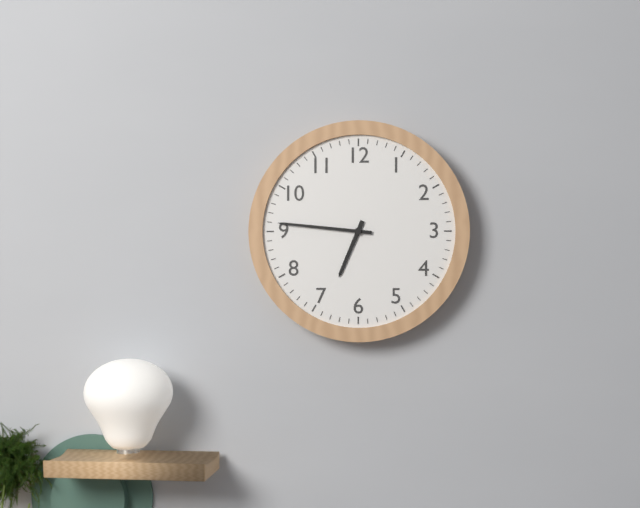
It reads 6 h 46 min
